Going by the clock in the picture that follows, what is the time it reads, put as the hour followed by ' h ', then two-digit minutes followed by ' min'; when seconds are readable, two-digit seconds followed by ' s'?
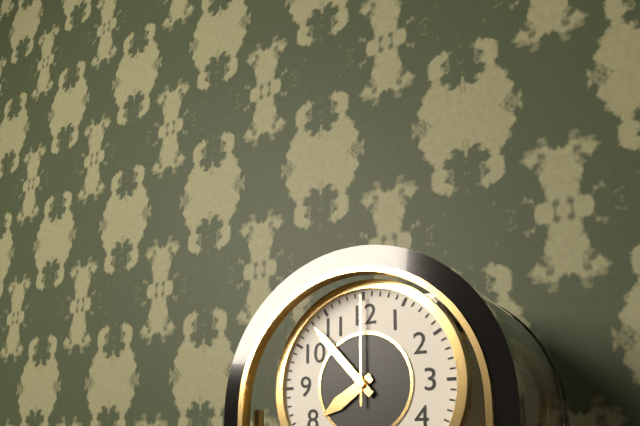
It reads 7 h 53 min 00 s
